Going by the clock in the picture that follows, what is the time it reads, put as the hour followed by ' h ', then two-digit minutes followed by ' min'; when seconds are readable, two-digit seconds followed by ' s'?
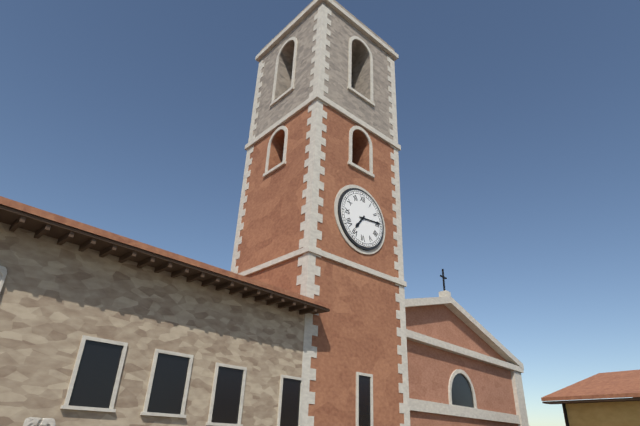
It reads 7 h 14 min
